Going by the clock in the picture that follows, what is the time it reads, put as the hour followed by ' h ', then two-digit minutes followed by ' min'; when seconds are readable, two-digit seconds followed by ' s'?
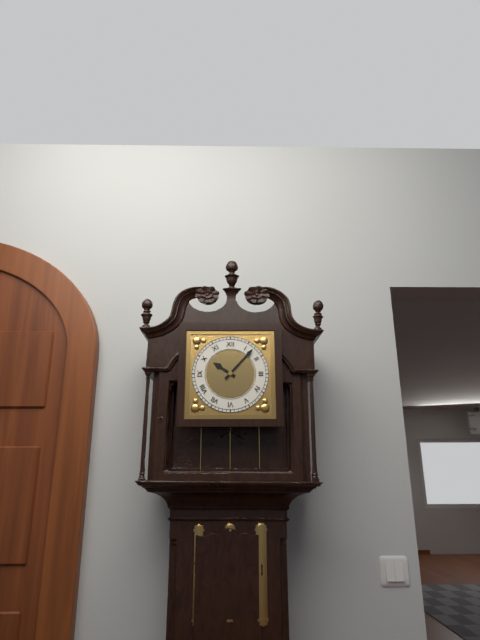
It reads 10 h 07 min
